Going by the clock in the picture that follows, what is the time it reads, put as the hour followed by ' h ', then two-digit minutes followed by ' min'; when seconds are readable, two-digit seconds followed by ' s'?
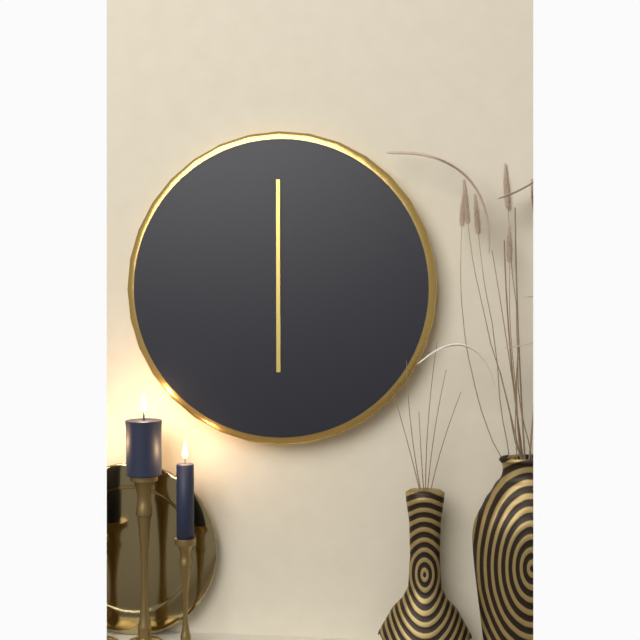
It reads 6 h 00 min
